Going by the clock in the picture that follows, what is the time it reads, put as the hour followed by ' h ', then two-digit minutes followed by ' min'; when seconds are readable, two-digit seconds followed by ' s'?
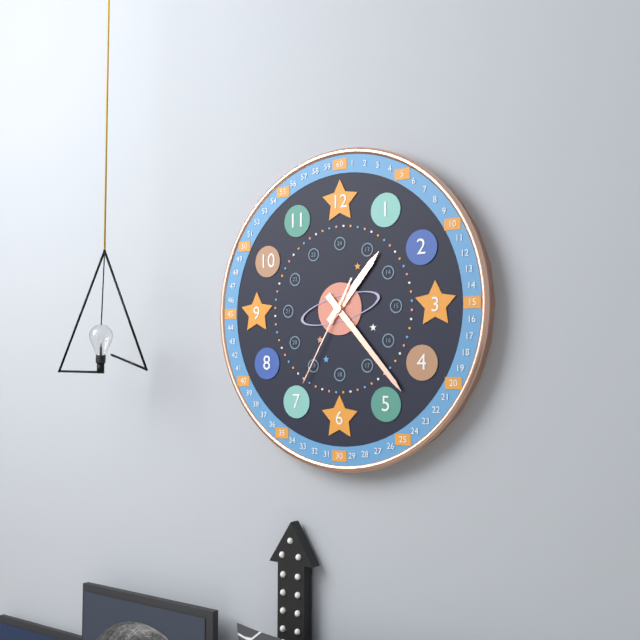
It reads 1 h 23 min 35 s
